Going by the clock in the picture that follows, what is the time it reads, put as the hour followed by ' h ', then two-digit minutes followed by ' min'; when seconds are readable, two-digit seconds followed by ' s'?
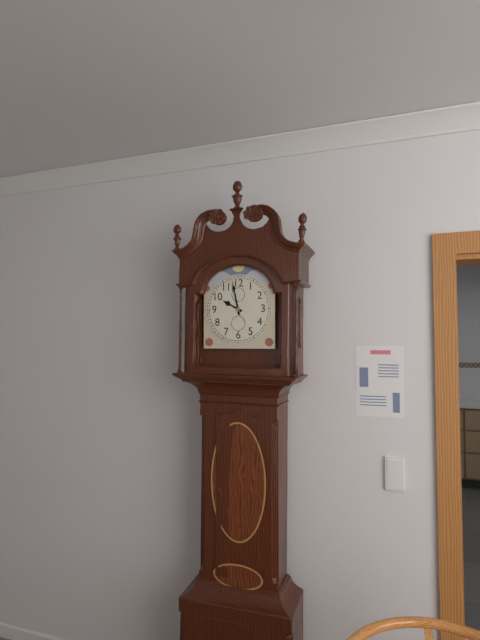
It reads 9 h 58 min
